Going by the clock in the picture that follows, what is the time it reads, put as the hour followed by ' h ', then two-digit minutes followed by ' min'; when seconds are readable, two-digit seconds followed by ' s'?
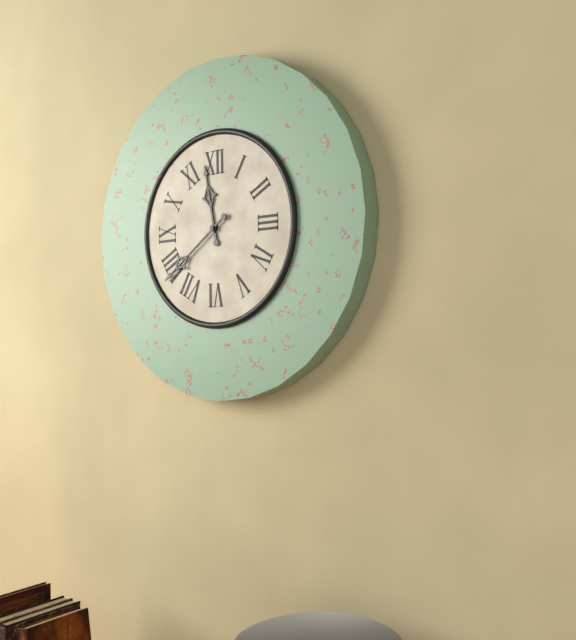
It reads 11 h 39 min
